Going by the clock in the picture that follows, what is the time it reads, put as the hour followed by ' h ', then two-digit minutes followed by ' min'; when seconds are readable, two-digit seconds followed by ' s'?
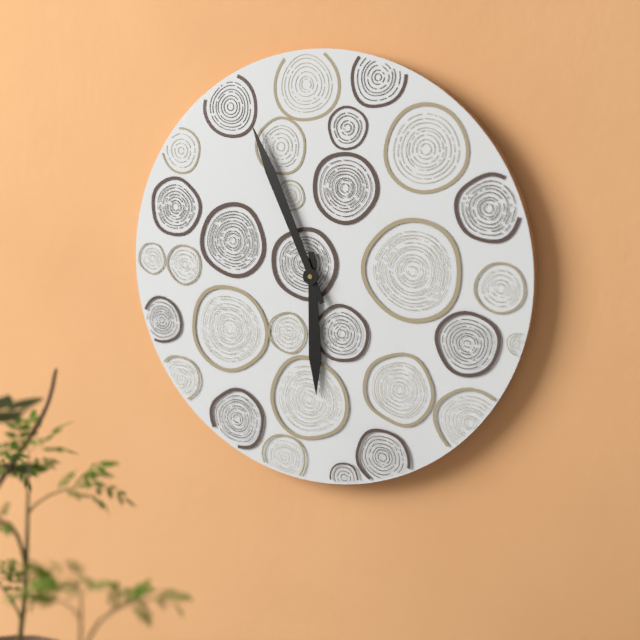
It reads 5 h 56 min
